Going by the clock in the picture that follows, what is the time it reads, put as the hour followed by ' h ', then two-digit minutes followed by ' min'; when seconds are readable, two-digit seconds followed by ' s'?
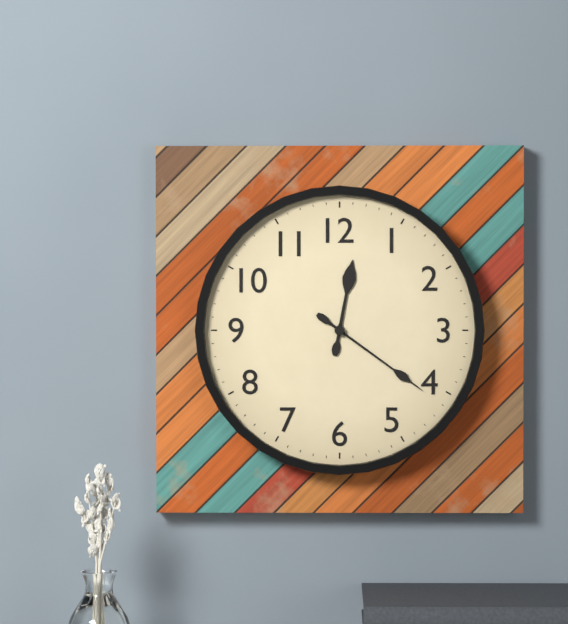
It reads 12 h 21 min
